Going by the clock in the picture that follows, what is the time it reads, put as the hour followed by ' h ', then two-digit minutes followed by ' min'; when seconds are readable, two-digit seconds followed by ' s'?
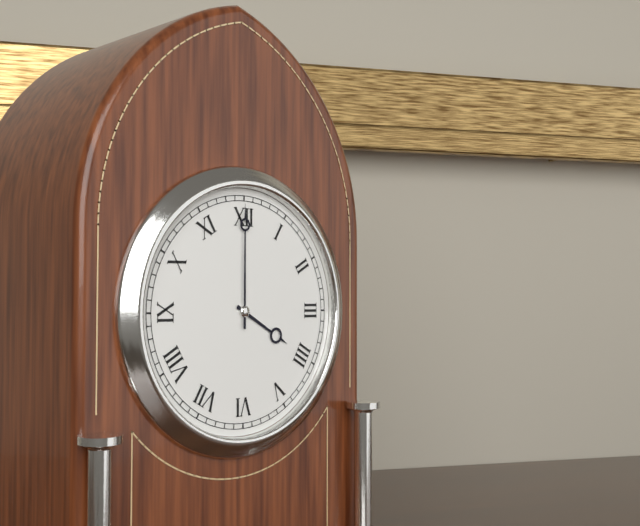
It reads 4 h 00 min
